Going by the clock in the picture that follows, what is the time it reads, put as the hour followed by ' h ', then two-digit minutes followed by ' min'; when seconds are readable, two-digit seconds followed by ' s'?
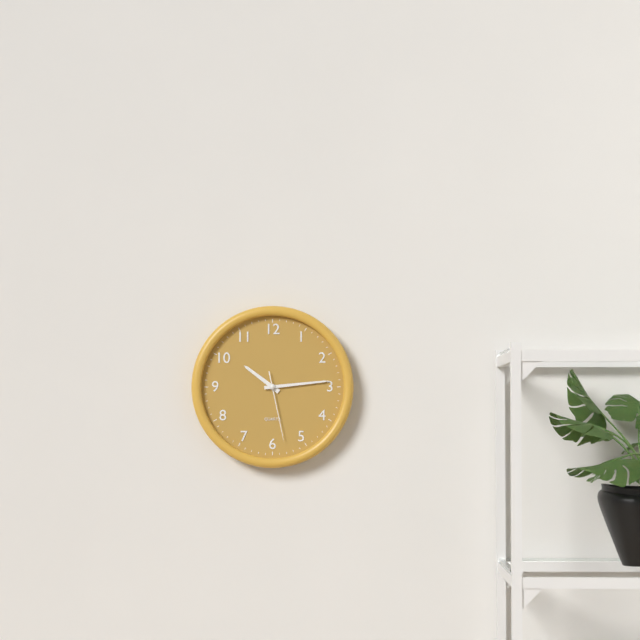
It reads 10 h 14 min 28 s
